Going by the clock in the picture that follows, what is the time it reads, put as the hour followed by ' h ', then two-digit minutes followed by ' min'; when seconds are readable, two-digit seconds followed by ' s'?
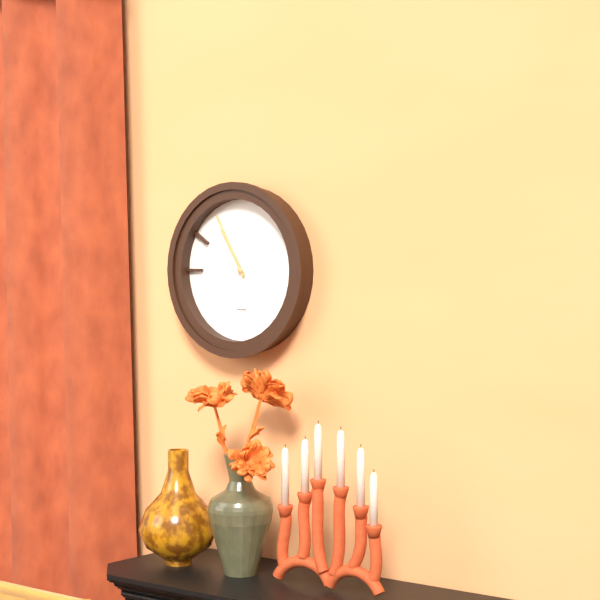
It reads 10 h 55 min
